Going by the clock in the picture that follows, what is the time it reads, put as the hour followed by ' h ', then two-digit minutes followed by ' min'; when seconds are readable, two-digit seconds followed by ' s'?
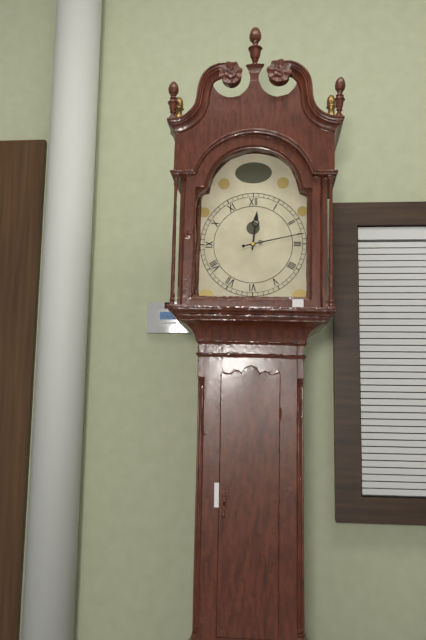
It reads 12 h 13 min
